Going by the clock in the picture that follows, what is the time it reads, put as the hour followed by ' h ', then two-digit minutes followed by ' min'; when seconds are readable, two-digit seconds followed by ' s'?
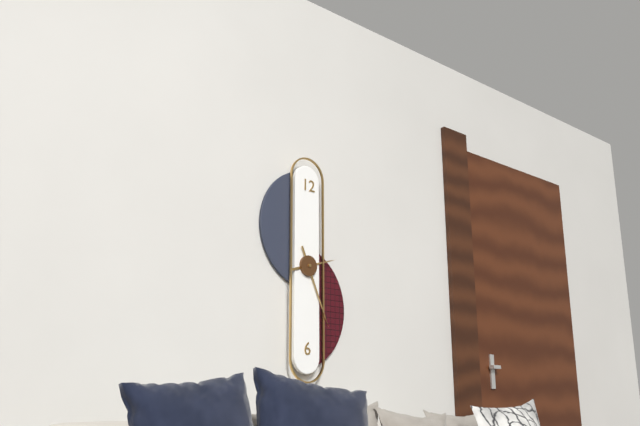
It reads 2 h 26 min
